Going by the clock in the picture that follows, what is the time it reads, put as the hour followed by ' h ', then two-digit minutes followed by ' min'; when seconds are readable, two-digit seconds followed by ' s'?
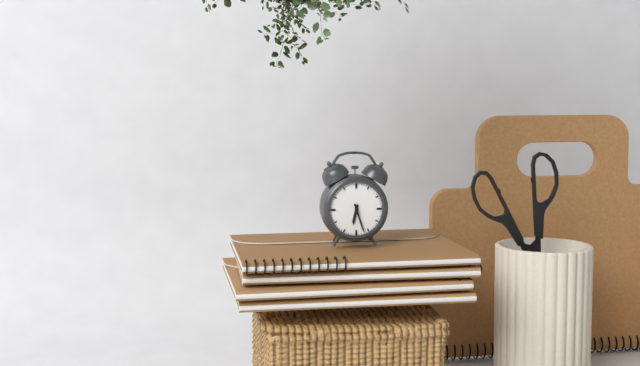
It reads 6 h 27 min
